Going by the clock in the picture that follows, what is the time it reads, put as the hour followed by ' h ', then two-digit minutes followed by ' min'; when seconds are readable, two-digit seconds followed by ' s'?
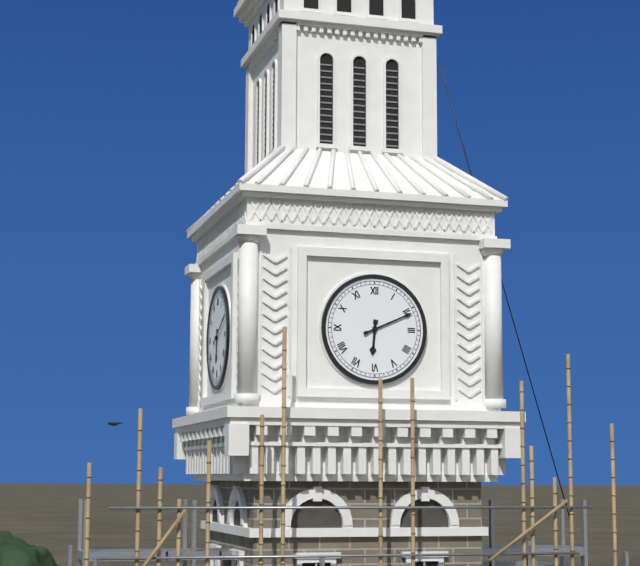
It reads 6 h 11 min
